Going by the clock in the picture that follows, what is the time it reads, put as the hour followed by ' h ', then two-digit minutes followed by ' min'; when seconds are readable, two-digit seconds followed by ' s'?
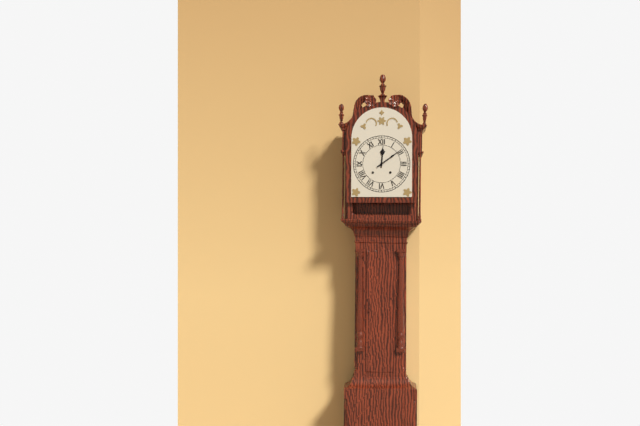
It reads 12 h 09 min
